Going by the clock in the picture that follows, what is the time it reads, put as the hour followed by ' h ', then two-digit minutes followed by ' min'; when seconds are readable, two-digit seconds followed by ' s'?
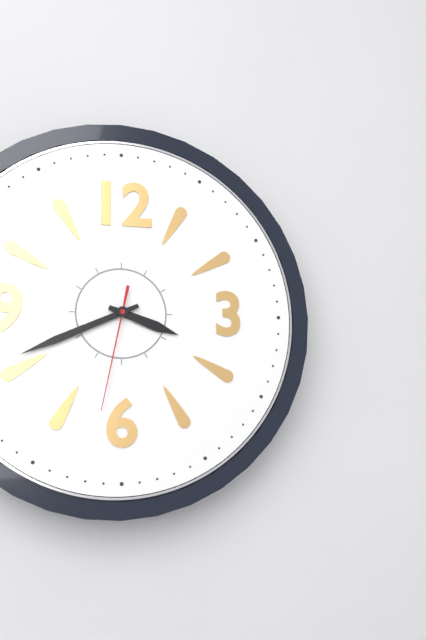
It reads 3 h 41 min 32 s
